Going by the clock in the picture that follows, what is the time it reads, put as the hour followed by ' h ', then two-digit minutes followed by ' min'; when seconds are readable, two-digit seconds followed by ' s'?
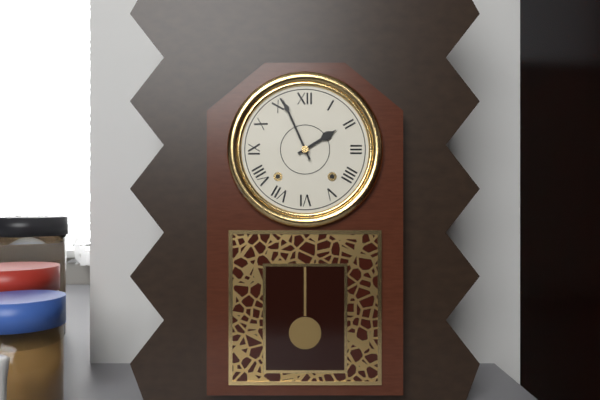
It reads 1 h 56 min
